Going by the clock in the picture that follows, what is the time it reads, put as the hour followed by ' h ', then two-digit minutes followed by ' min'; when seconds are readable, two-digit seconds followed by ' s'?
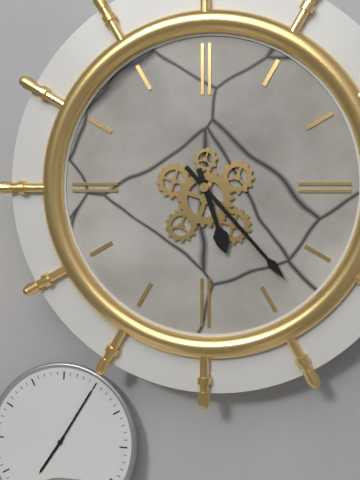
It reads 5 h 23 min
